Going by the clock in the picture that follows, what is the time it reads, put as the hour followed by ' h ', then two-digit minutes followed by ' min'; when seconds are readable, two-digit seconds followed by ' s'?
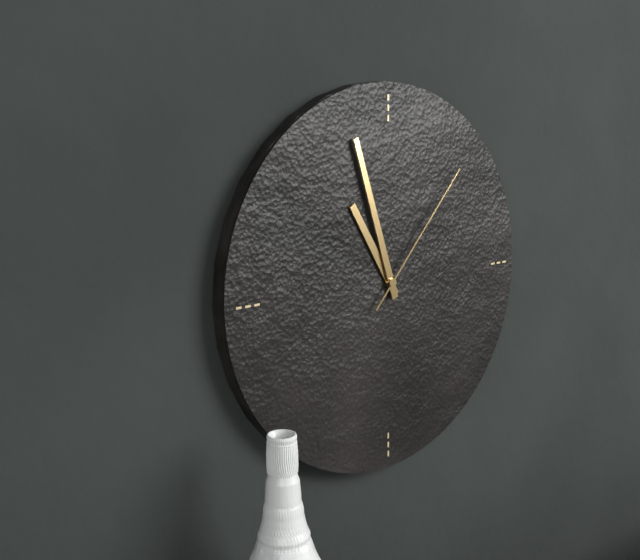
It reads 10 h 57 min 07 s
